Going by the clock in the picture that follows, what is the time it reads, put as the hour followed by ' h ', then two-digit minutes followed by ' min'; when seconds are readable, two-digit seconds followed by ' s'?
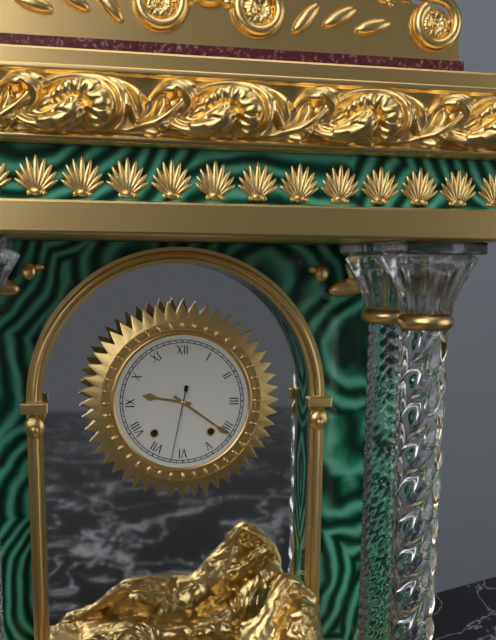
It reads 9 h 21 min 32 s
